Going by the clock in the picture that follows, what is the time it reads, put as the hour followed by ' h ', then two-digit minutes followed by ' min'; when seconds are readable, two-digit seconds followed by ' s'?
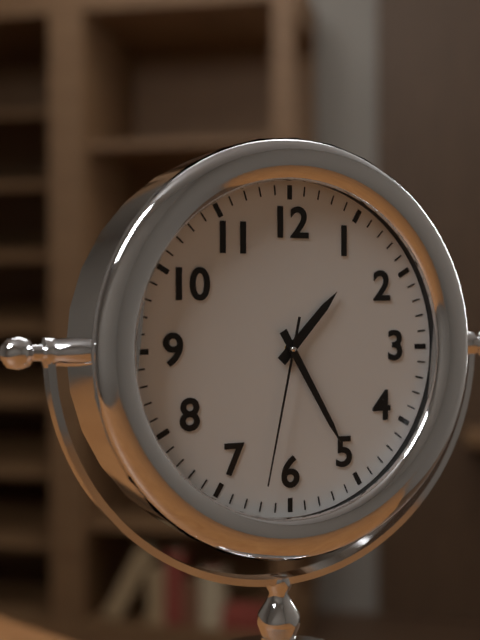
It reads 1 h 25 min 32 s
